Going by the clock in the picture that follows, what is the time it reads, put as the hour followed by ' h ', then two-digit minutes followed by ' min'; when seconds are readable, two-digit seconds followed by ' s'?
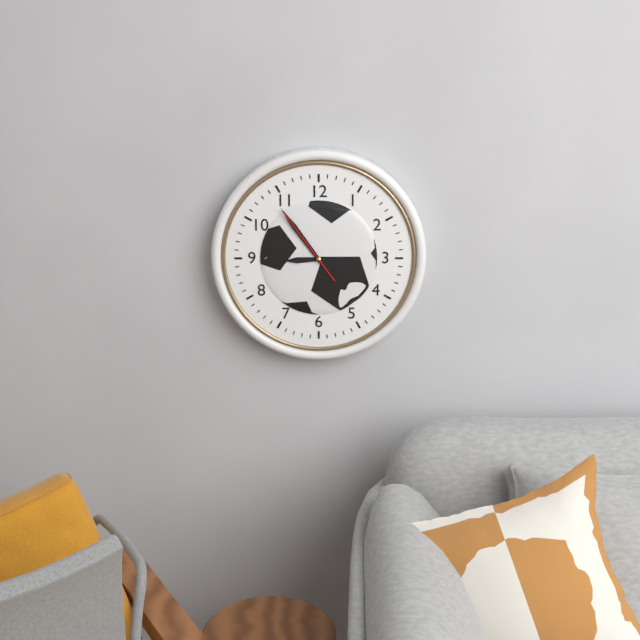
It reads 8 h 54 min 54 s
